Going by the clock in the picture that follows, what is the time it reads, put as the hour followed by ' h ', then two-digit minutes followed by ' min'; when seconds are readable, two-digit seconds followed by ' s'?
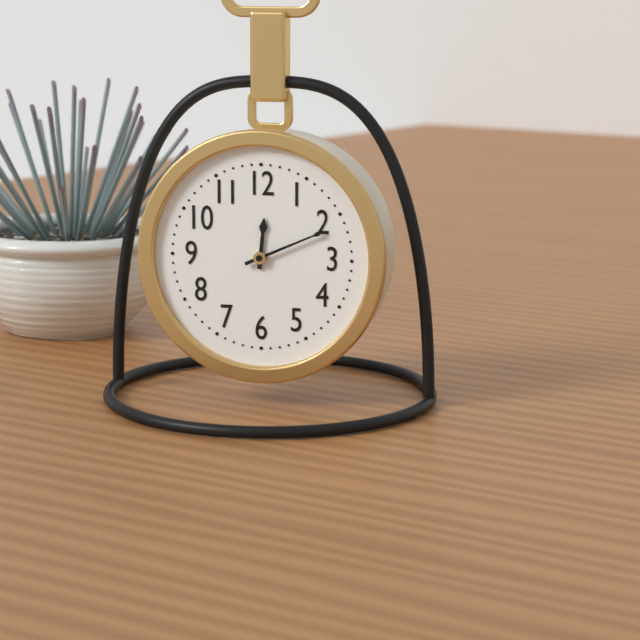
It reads 12 h 11 min
